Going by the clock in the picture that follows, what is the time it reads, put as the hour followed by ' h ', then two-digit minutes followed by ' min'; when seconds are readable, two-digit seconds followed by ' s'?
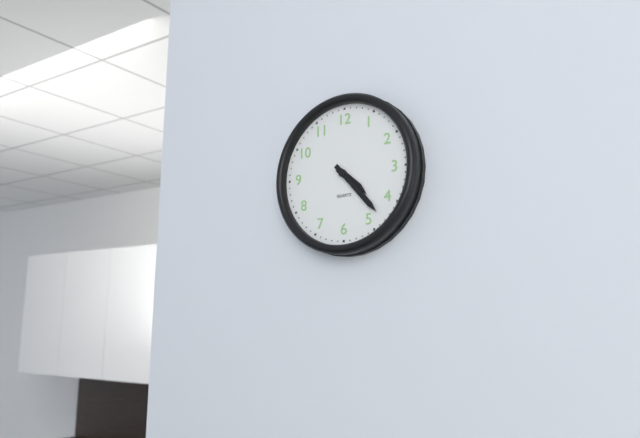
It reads 4 h 23 min
